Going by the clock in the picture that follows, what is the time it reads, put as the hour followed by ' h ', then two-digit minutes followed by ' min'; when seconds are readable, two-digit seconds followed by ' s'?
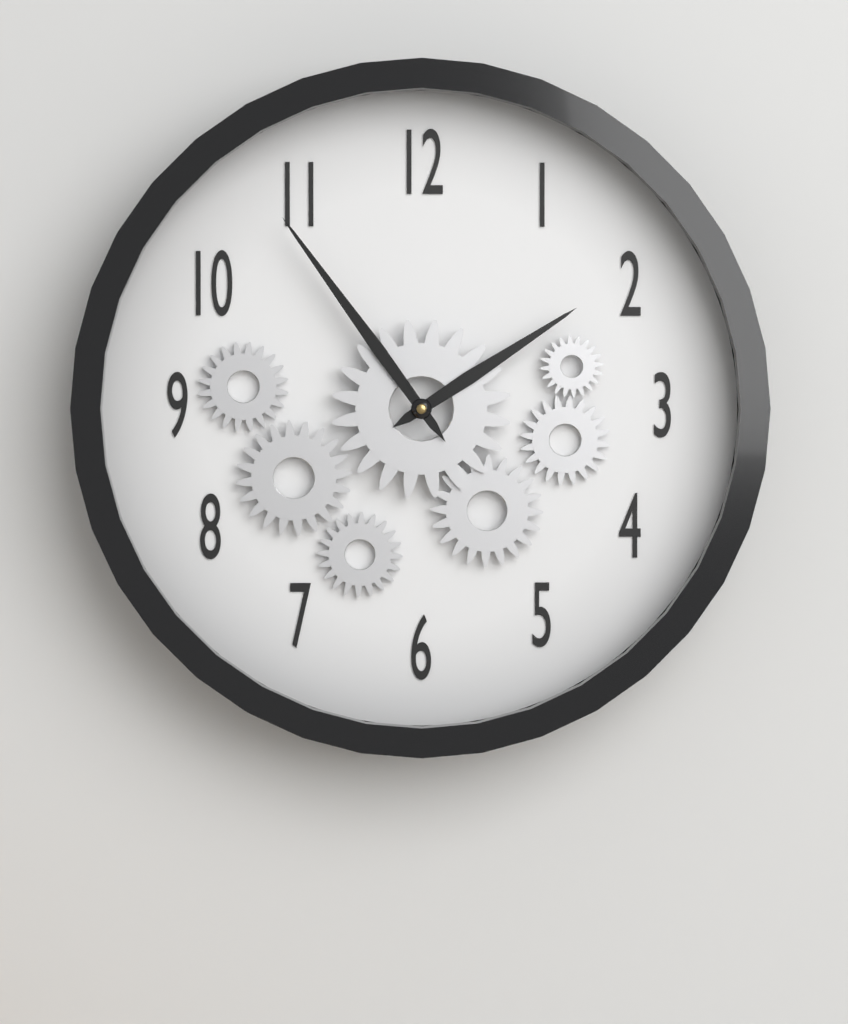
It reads 1 h 54 min
